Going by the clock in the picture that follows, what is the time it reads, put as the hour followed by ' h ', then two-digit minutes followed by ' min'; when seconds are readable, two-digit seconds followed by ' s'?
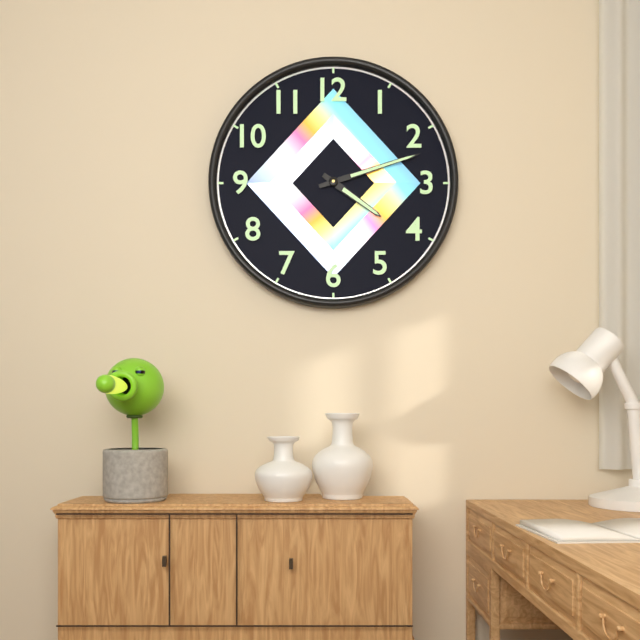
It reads 4 h 12 min
